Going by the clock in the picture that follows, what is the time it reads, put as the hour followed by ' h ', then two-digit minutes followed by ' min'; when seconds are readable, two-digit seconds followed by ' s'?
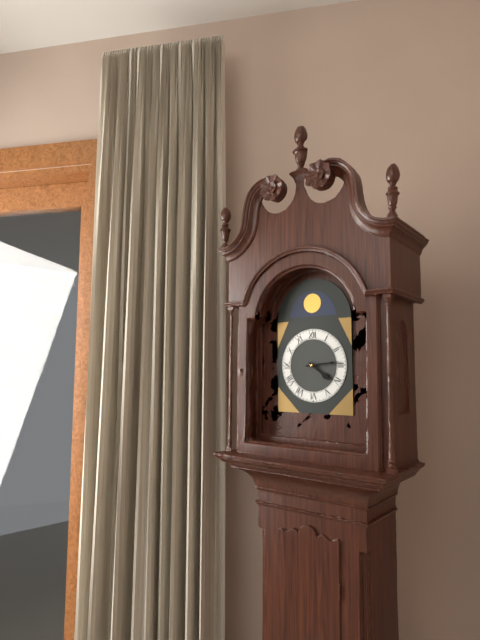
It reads 4 h 14 min
